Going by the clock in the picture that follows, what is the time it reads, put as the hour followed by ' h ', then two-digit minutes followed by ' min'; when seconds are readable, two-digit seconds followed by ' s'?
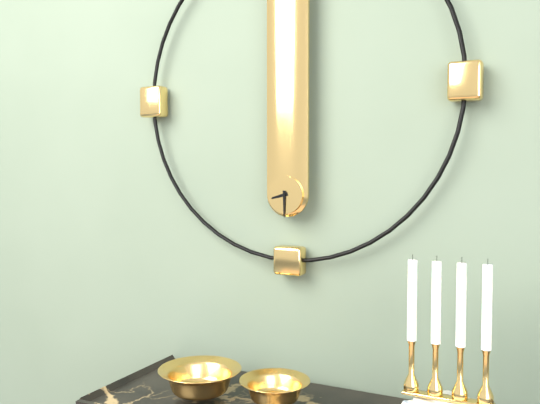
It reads 8 h 30 min
